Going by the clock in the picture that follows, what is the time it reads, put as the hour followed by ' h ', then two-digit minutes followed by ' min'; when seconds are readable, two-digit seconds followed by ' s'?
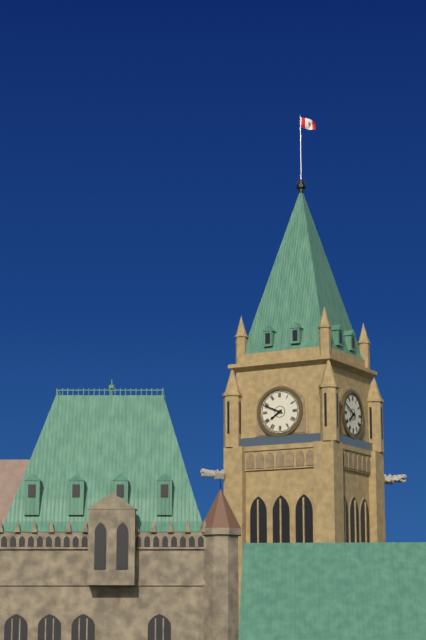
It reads 7 h 49 min
